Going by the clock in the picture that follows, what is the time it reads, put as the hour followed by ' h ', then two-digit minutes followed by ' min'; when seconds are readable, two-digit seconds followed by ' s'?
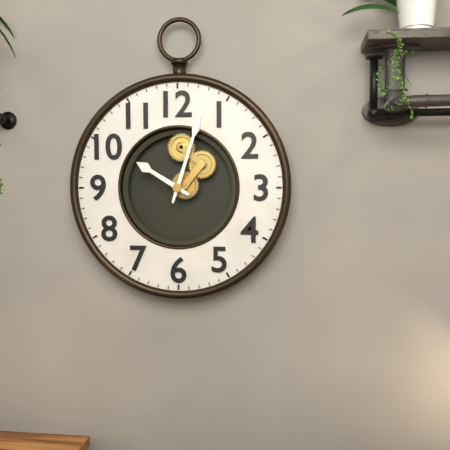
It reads 10 h 03 min
